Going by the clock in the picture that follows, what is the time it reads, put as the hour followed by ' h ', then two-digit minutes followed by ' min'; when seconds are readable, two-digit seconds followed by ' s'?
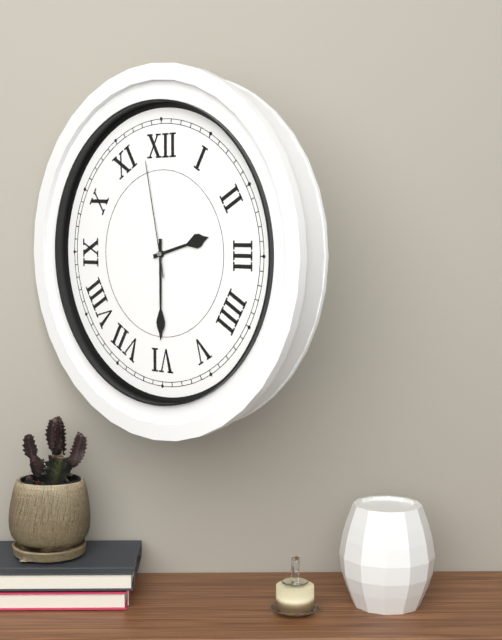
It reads 2 h 30 min 58 s
